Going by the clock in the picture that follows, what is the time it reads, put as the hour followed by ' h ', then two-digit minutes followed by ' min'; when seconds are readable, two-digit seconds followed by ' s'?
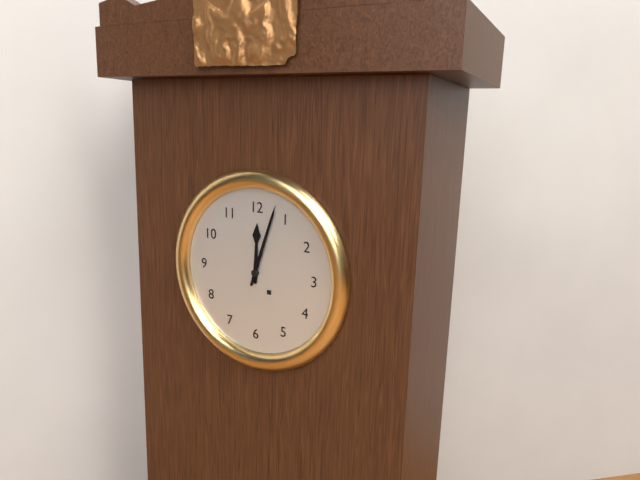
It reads 12 h 03 min
